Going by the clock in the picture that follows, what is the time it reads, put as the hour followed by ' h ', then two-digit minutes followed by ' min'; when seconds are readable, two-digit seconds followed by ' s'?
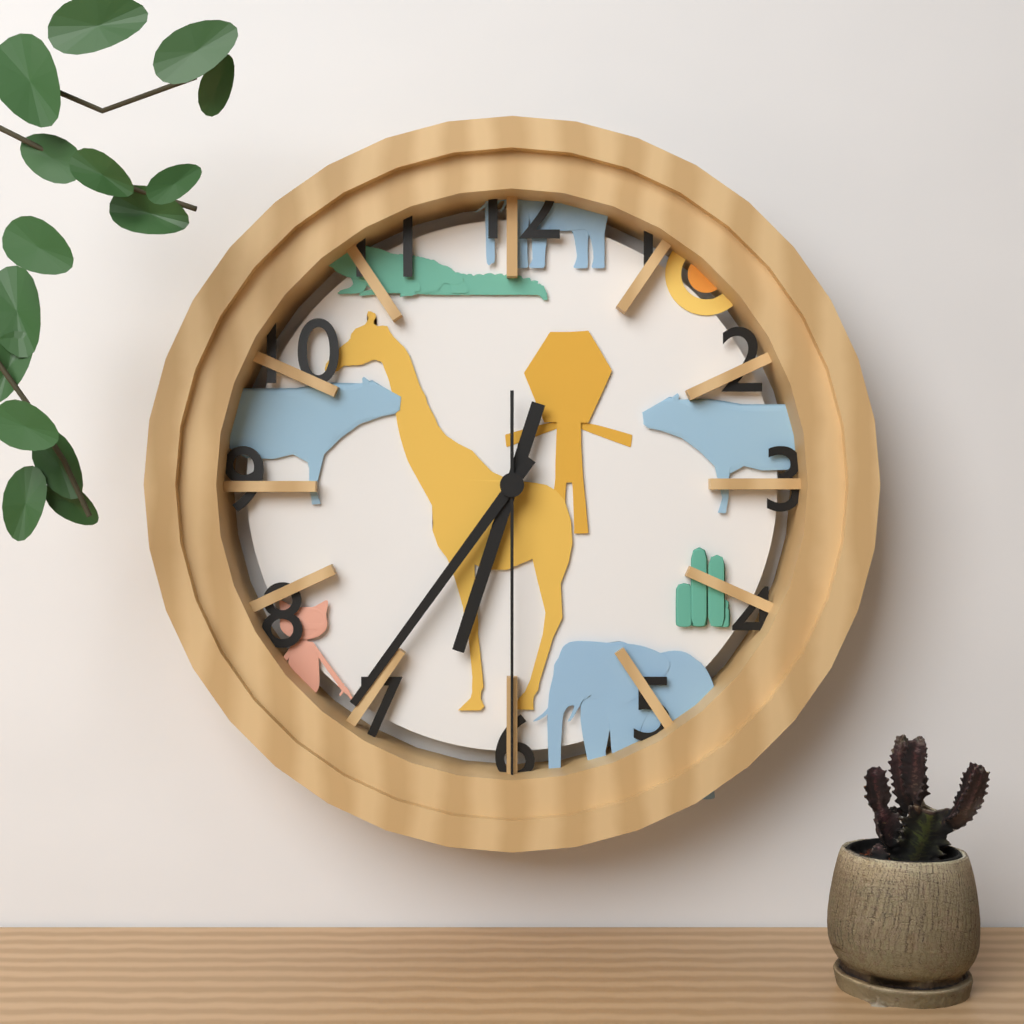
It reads 6 h 36 min 30 s
